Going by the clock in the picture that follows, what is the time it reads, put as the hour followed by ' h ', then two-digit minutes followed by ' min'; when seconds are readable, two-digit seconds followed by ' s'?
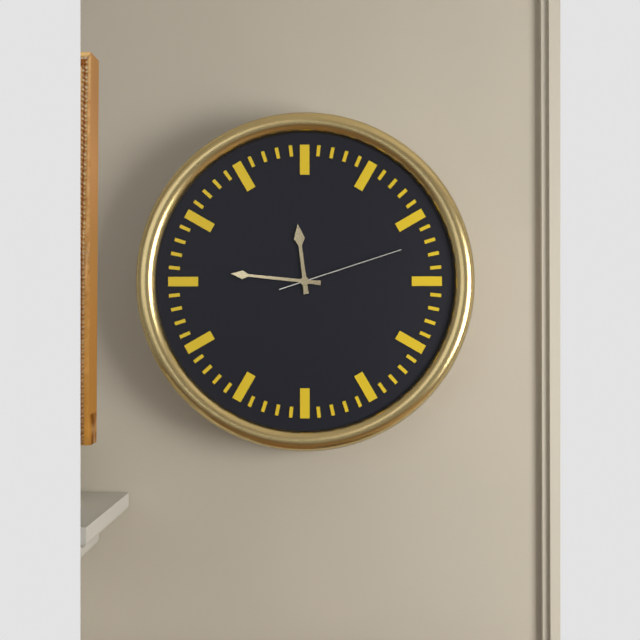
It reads 11 h 46 min 12 s
